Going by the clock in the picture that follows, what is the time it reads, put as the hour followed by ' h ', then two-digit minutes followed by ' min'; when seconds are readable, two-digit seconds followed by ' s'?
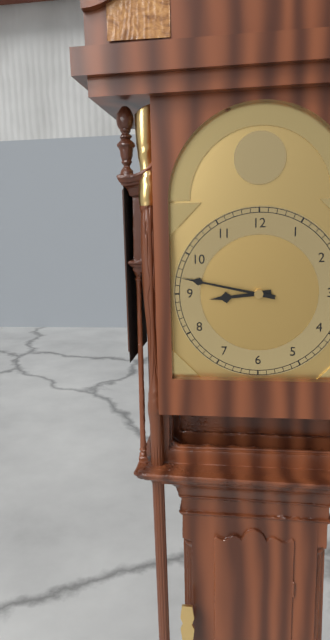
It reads 8 h 47 min
